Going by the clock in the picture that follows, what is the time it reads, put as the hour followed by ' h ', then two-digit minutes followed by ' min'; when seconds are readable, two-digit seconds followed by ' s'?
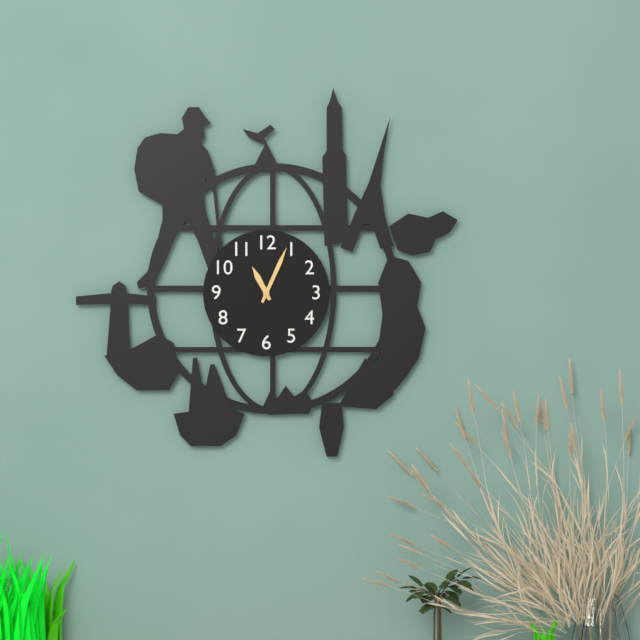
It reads 11 h 04 min
